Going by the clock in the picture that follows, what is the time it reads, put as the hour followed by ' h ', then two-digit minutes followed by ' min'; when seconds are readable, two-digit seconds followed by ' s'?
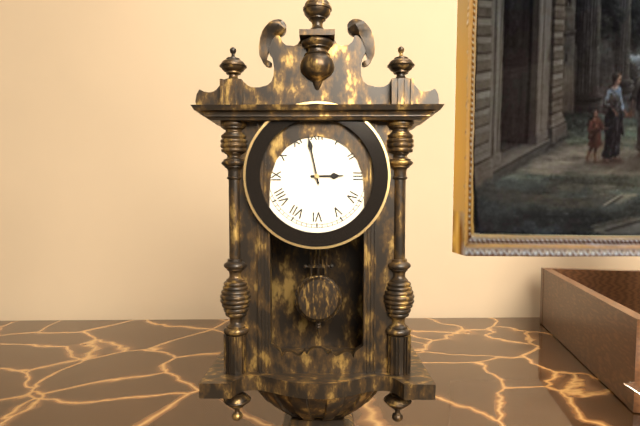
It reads 2 h 58 min
